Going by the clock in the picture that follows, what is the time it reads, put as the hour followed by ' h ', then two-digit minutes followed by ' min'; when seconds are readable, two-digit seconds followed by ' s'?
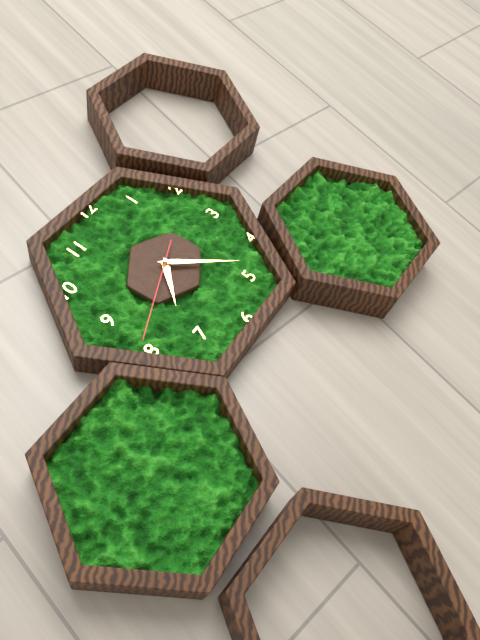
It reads 7 h 23 min 41 s
